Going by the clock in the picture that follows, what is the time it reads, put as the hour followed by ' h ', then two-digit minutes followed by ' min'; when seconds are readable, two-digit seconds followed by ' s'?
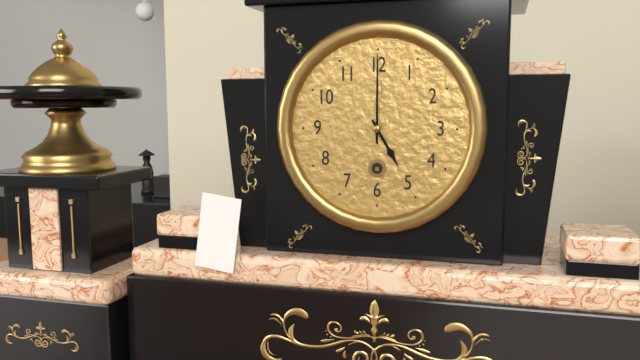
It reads 5 h 00 min
